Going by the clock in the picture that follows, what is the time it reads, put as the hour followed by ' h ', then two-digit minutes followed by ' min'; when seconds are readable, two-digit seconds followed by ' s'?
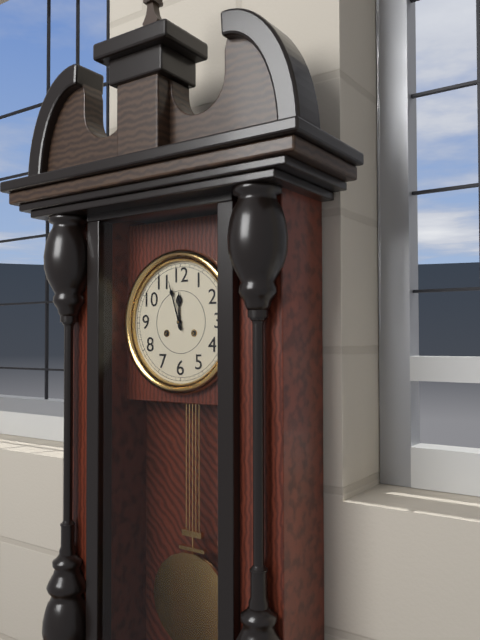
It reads 11 h 57 min
